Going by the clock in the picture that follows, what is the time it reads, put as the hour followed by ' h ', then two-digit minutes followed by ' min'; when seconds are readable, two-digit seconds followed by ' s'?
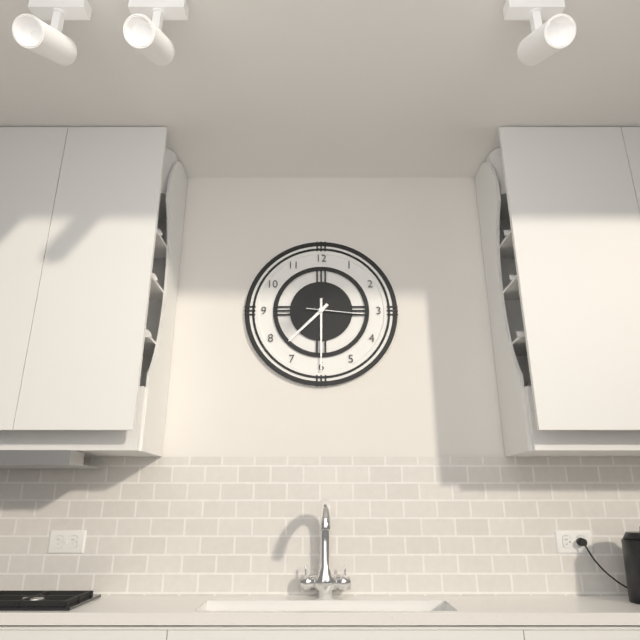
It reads 7 h 30 min 16 s
